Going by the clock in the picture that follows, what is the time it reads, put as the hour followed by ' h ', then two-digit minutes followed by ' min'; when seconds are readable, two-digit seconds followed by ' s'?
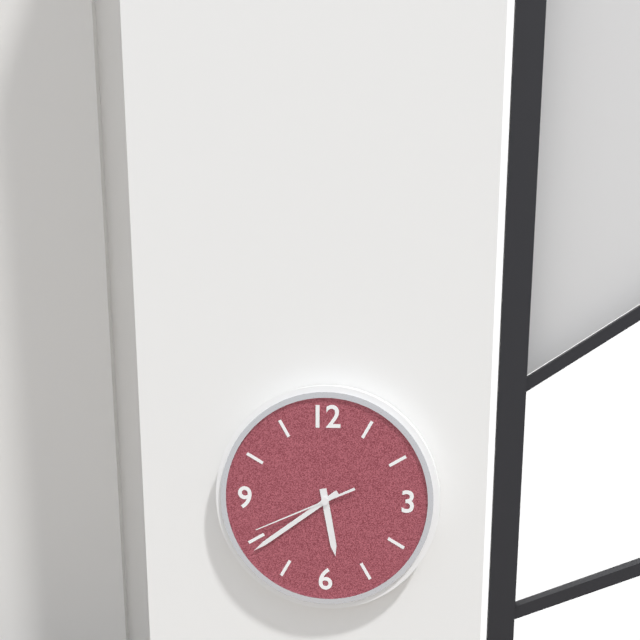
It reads 5 h 39 min 41 s
